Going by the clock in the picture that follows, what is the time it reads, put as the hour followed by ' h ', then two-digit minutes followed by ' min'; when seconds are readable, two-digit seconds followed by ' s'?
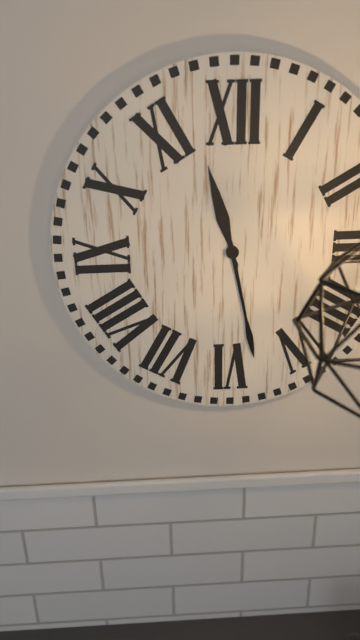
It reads 11 h 28 min
